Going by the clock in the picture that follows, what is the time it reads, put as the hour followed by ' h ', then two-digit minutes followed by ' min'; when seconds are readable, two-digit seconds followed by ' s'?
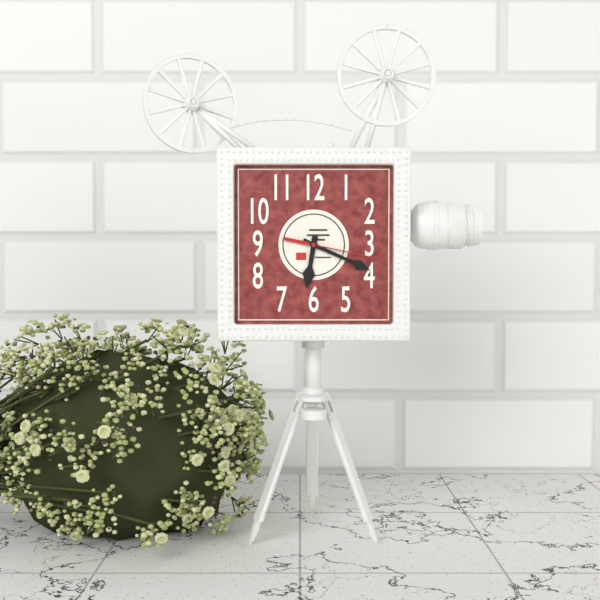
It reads 6 h 19 min 17 s
